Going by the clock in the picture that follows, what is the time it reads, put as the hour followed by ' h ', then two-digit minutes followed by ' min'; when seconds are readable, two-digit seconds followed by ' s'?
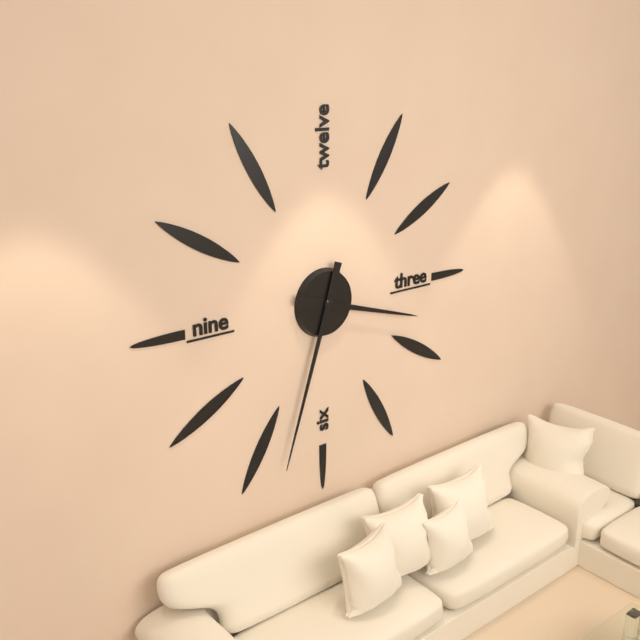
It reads 3 h 33 min
